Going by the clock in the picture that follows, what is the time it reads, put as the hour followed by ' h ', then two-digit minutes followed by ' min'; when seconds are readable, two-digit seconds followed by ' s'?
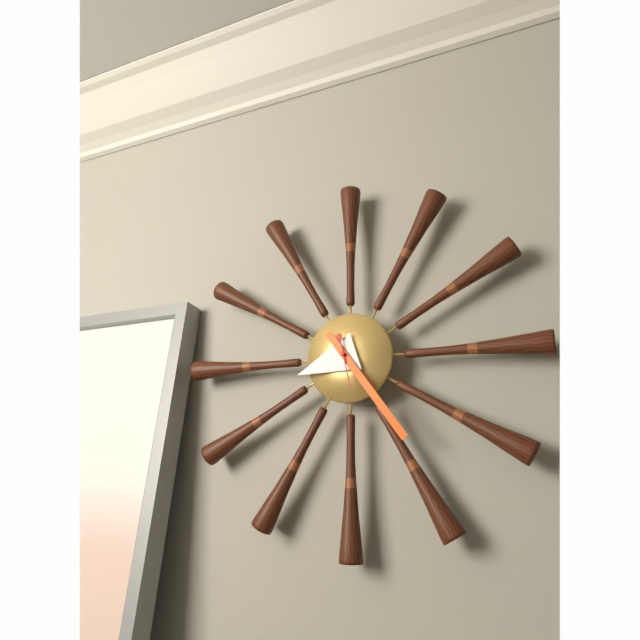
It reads 8 h 24 min
